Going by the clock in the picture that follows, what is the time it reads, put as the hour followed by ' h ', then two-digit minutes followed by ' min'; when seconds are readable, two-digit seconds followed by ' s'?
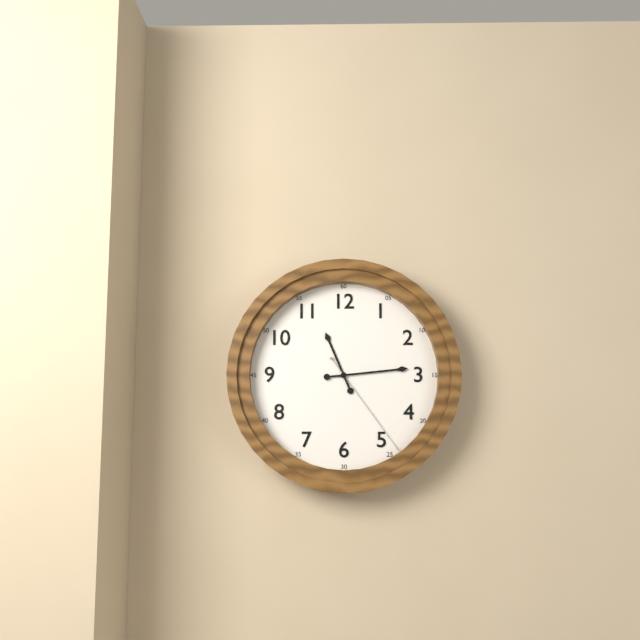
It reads 11 h 14 min 24 s
